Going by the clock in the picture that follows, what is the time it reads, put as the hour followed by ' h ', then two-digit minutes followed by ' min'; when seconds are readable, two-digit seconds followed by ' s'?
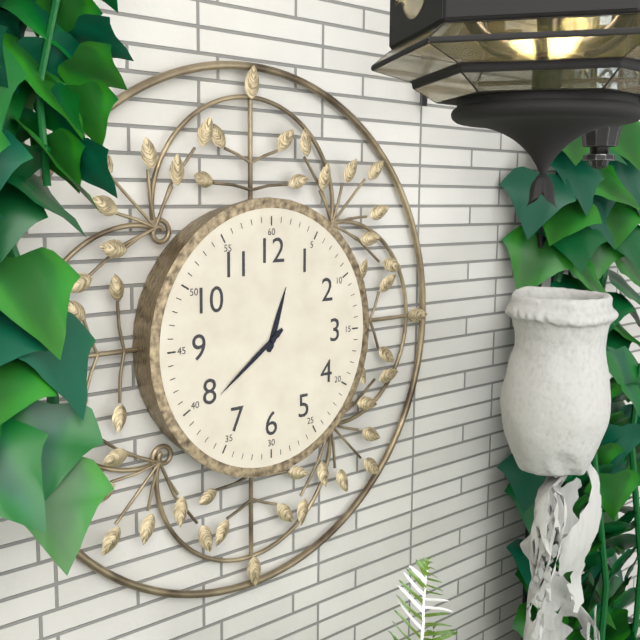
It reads 12 h 39 min
